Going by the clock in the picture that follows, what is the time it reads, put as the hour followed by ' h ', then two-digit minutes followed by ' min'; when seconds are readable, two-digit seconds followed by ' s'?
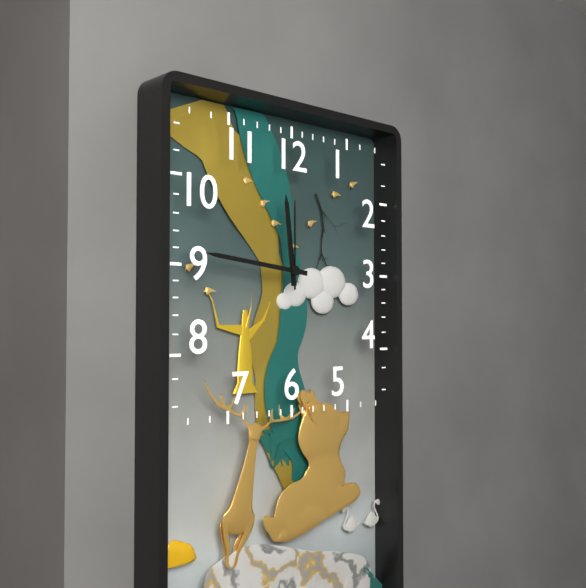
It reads 11 h 46 min 00 s
